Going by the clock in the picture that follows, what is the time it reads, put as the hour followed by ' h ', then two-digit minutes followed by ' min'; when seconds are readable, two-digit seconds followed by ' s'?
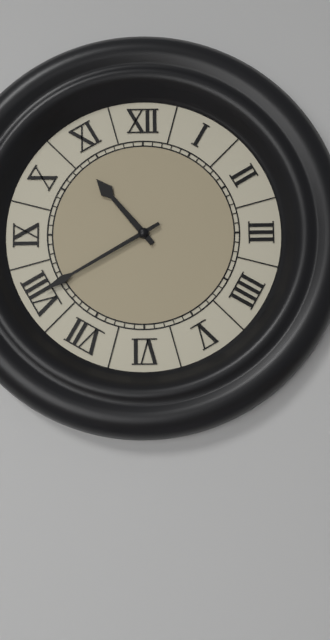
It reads 10 h 40 min
